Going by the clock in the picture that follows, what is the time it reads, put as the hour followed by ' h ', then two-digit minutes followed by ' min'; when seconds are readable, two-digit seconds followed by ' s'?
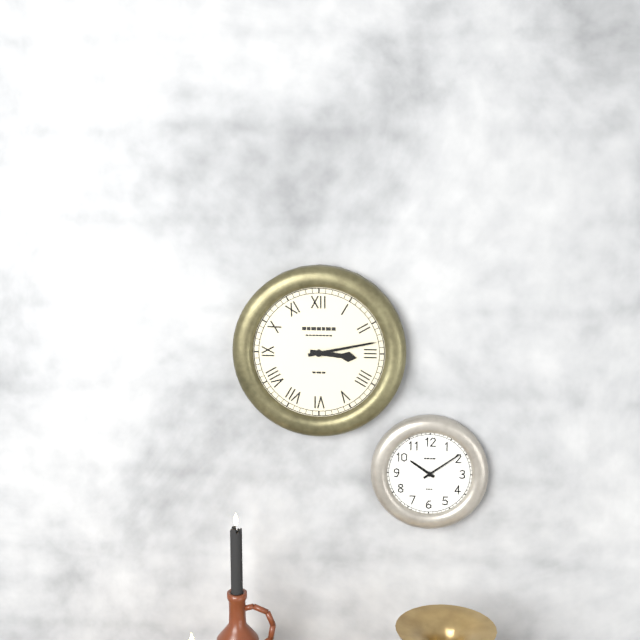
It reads 3 h 13 min
